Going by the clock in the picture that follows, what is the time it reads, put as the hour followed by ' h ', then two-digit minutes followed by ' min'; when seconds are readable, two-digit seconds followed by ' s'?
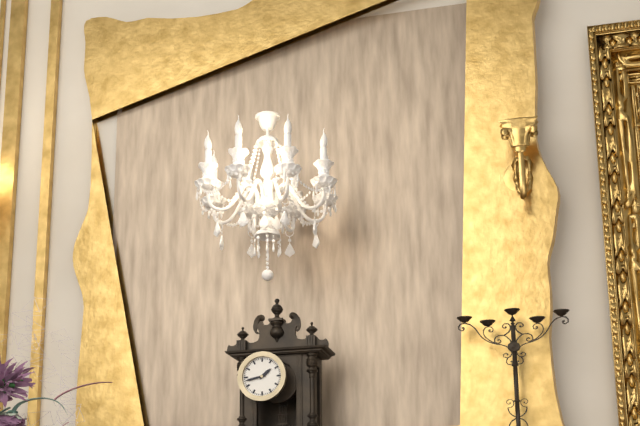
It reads 1 h 43 min
